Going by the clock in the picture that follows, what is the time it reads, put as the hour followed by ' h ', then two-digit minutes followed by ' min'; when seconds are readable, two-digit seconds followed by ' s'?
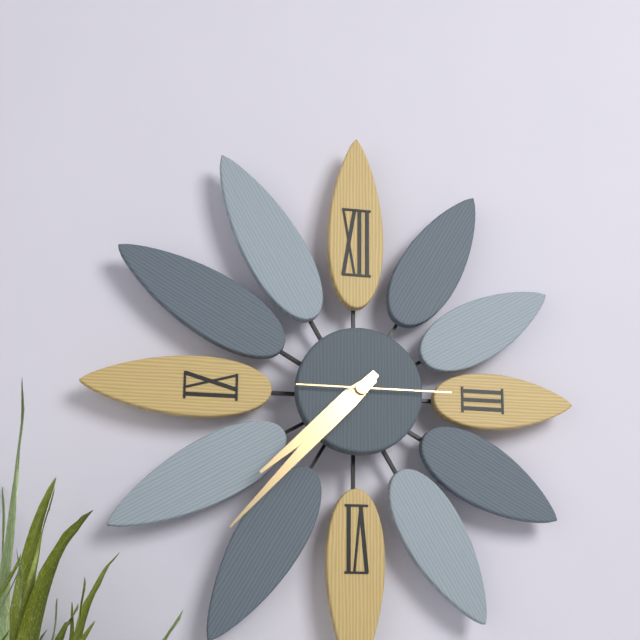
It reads 7 h 37 min 15 s
